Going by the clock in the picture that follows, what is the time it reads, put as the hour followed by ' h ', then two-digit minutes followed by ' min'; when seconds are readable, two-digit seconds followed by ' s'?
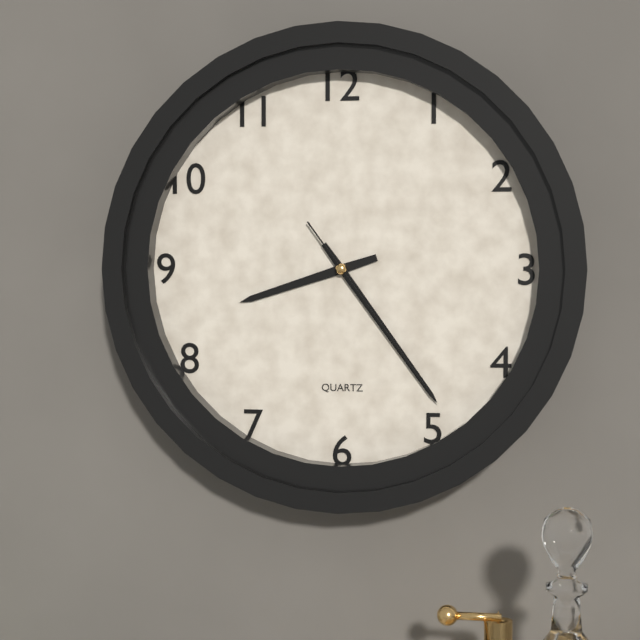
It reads 8 h 24 min 24 s
